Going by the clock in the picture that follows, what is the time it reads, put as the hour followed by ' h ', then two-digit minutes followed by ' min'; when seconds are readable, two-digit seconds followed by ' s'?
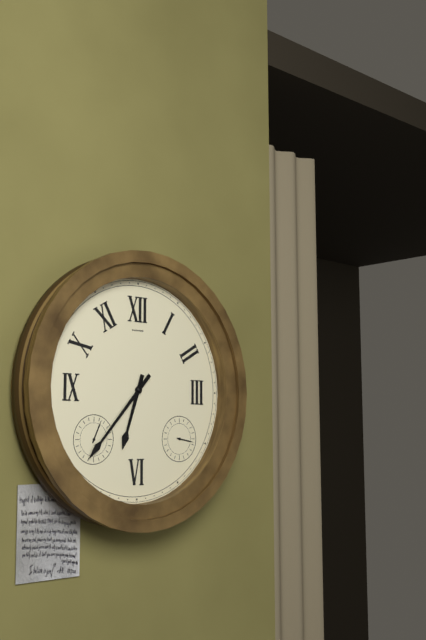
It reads 6 h 37 min
